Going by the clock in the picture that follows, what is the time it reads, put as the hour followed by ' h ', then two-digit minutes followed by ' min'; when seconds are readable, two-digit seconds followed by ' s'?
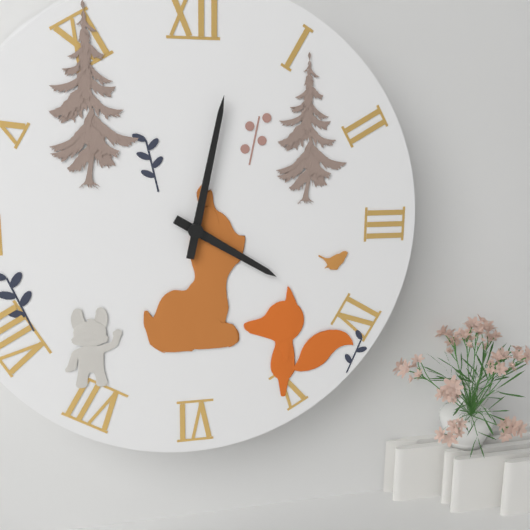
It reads 4 h 02 min
